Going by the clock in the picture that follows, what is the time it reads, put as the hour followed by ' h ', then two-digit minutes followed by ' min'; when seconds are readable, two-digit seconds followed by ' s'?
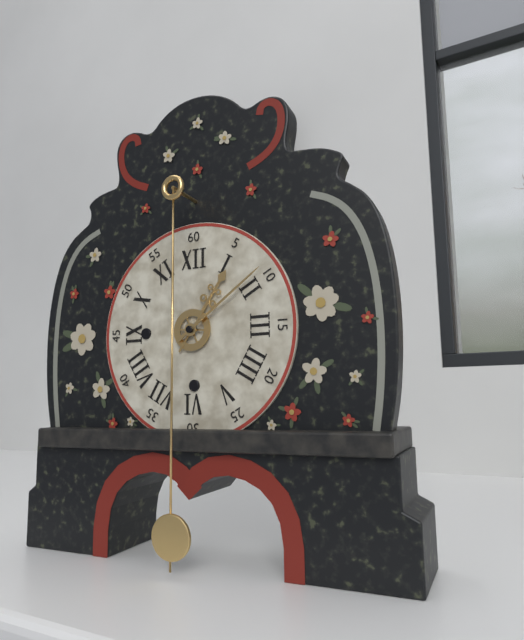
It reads 1 h 09 min
